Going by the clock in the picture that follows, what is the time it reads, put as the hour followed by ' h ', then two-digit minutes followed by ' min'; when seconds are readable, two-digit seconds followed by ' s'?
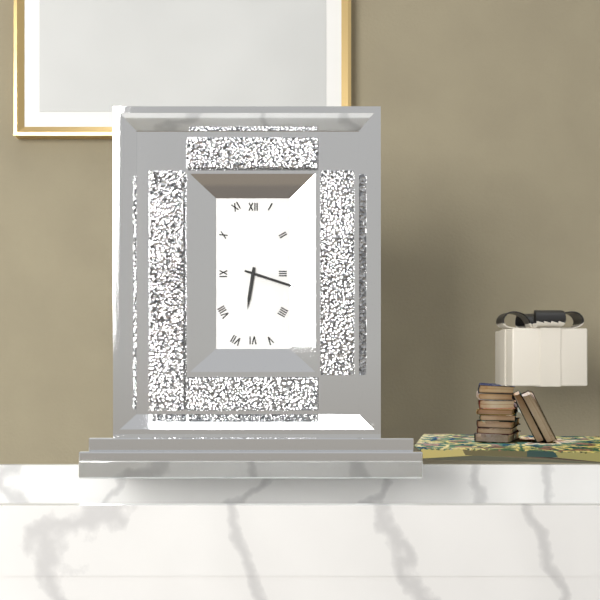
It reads 6 h 18 min
